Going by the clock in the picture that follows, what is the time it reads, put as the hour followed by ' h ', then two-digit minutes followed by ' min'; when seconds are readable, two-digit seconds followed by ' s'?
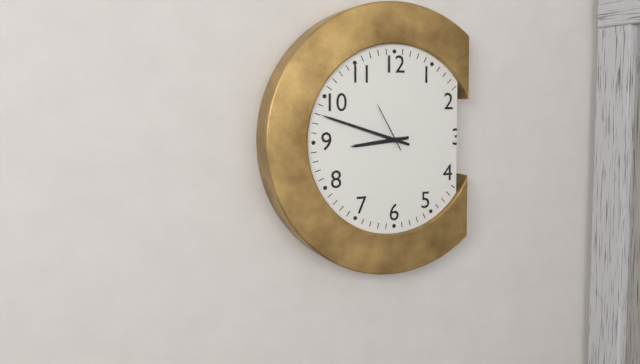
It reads 8 h 48 min 55 s
